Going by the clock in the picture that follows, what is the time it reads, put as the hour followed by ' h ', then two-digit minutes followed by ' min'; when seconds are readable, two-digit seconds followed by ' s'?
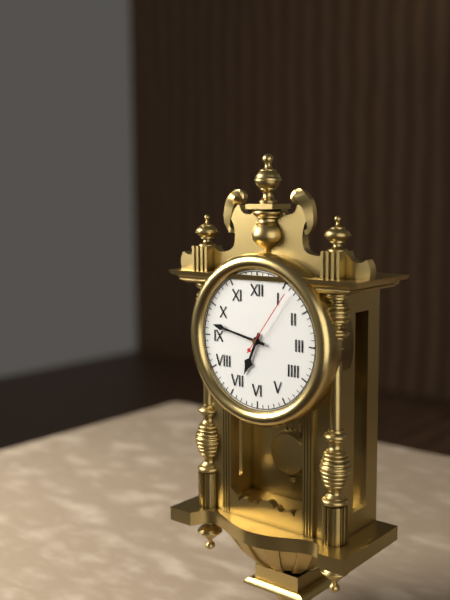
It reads 6 h 47 min 06 s
